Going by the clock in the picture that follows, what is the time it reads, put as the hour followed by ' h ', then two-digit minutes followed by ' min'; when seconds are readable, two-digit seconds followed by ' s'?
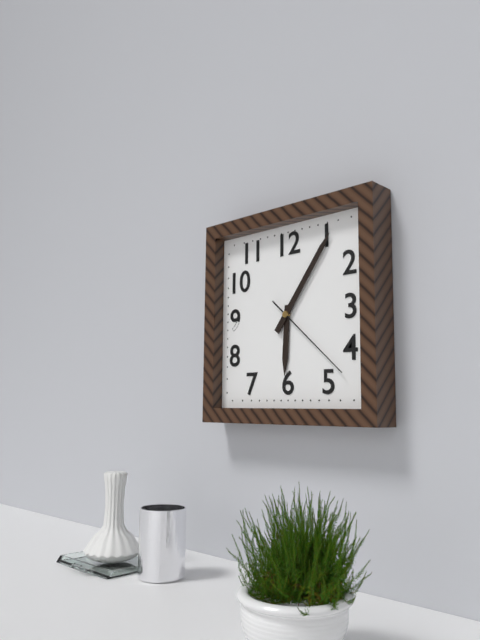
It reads 6 h 06 min 22 s
